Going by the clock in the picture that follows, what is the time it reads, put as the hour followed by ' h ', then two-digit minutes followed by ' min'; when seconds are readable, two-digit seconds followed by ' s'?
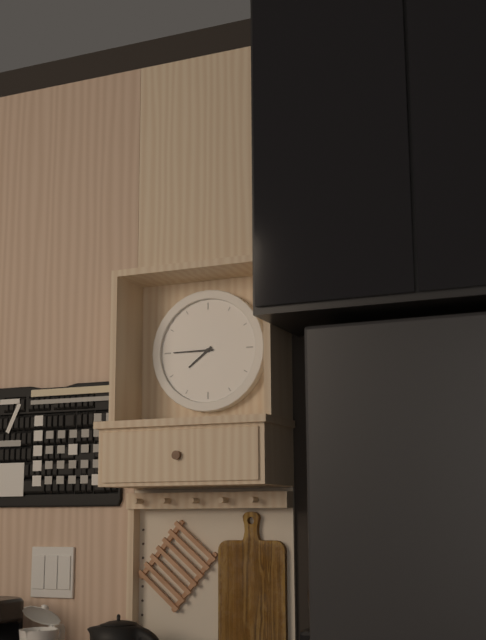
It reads 7 h 45 min
